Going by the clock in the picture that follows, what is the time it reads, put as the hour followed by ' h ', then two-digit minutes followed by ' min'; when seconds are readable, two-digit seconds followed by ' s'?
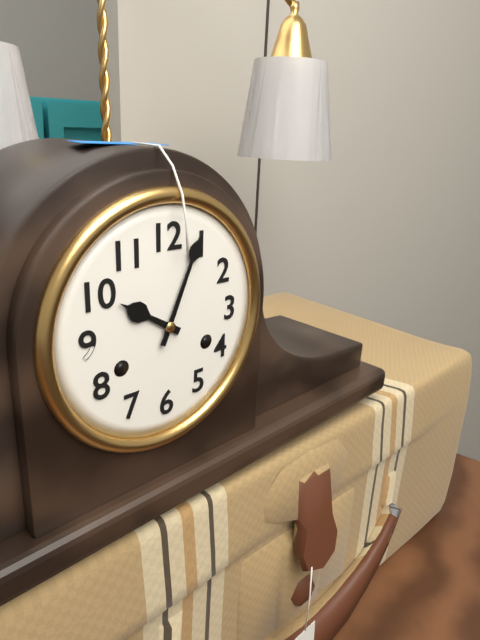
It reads 10 h 04 min
